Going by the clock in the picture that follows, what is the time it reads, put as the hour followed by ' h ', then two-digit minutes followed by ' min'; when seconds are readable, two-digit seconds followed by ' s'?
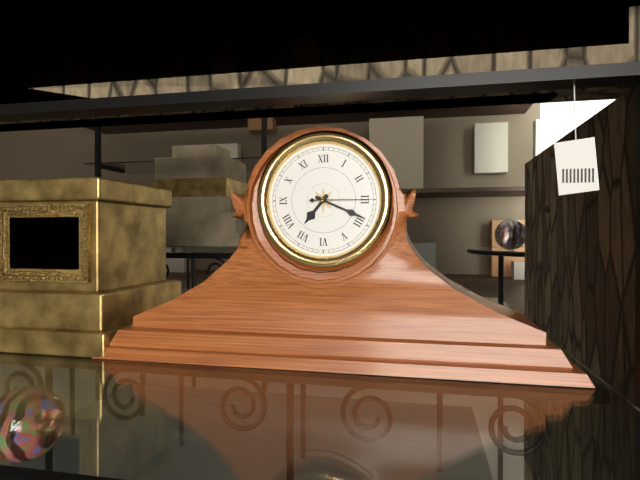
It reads 7 h 19 min 15 s
